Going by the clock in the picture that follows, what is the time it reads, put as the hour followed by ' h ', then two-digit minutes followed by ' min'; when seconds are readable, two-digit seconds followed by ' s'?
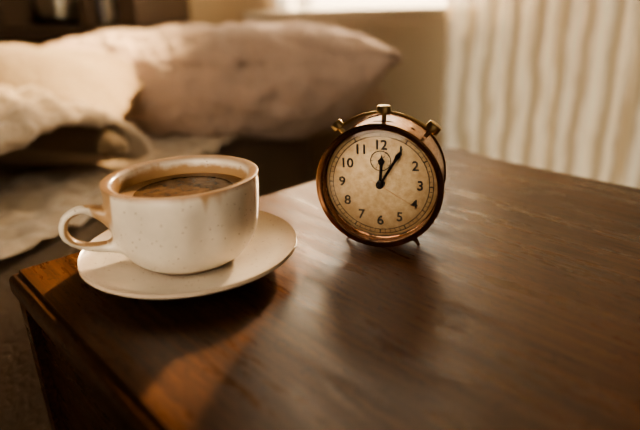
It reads 12 h 05 min 20 s
